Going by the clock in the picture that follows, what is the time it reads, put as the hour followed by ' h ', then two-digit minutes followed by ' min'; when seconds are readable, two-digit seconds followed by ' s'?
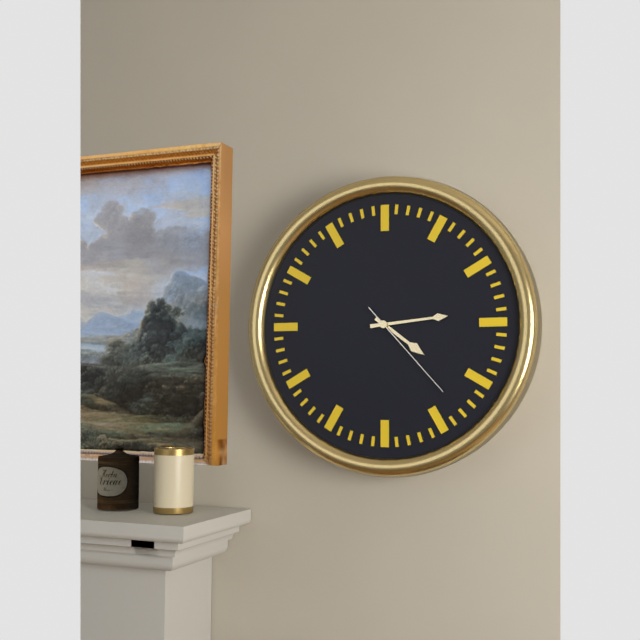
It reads 4 h 14 min 23 s
